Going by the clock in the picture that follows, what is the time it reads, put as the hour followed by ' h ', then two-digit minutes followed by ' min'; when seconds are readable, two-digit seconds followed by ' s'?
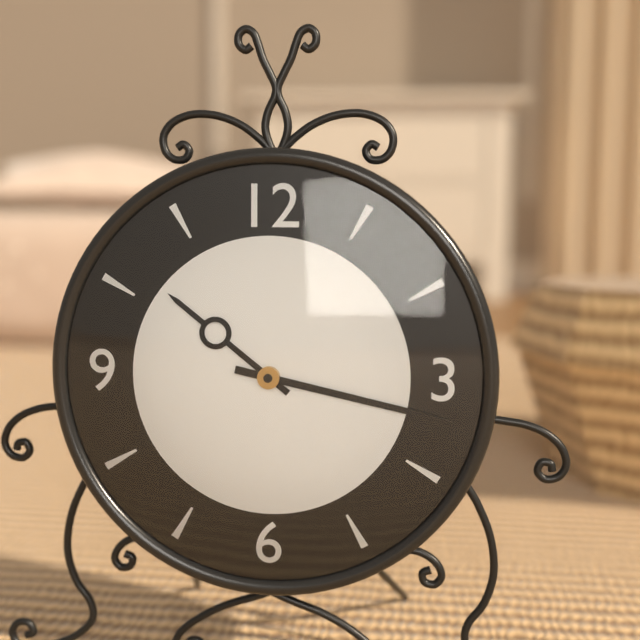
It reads 10 h 17 min
